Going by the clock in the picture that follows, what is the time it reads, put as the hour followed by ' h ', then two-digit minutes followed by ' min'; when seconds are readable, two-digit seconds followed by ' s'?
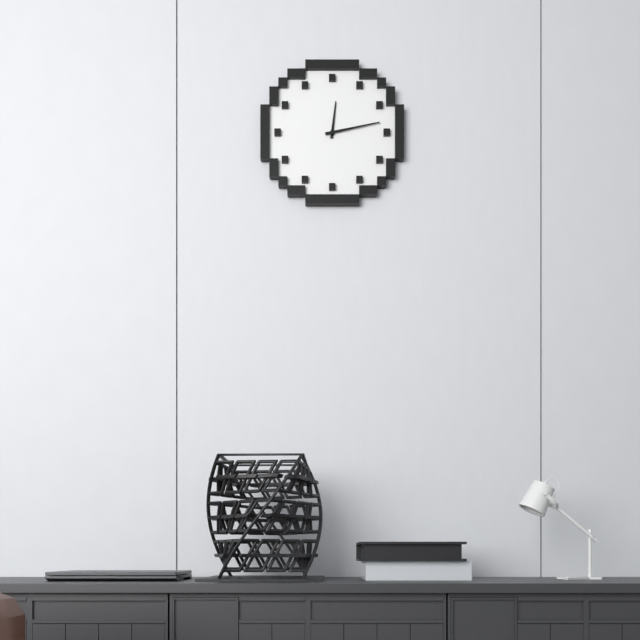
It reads 12 h 13 min
